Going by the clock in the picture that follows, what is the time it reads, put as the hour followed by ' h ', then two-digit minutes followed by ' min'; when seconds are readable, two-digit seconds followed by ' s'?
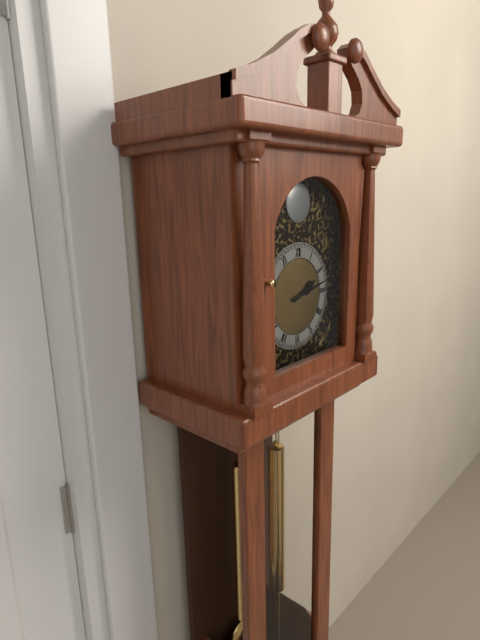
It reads 2 h 13 min
